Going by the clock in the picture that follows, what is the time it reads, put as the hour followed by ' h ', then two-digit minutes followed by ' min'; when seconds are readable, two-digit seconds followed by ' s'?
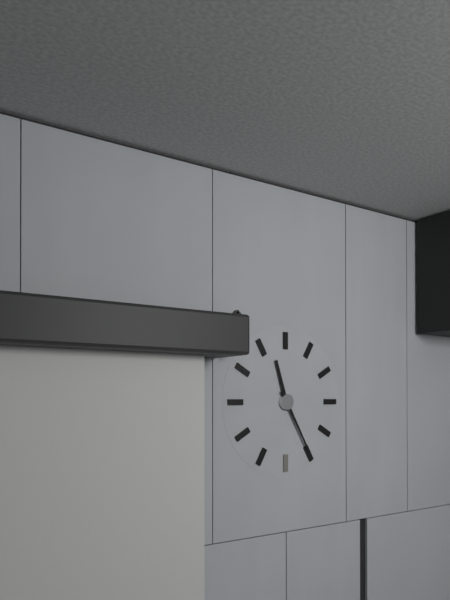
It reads 11 h 25 min
